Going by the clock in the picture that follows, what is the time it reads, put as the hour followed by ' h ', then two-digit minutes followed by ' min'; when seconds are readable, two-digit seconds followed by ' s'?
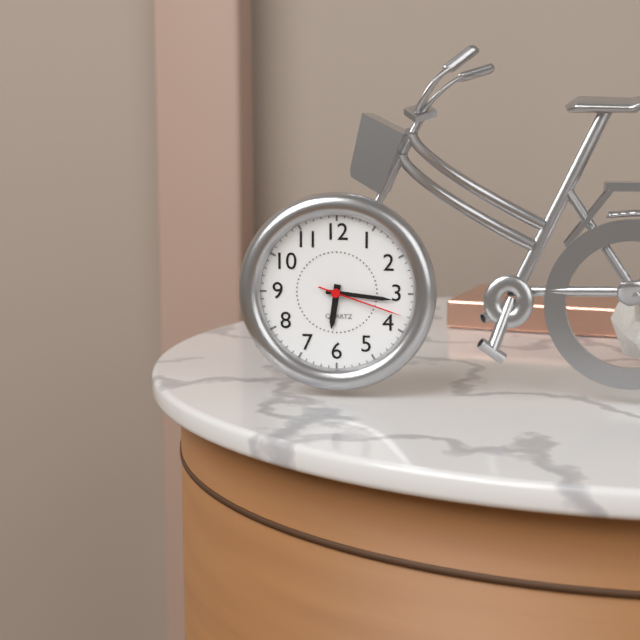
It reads 6 h 16 min 18 s
